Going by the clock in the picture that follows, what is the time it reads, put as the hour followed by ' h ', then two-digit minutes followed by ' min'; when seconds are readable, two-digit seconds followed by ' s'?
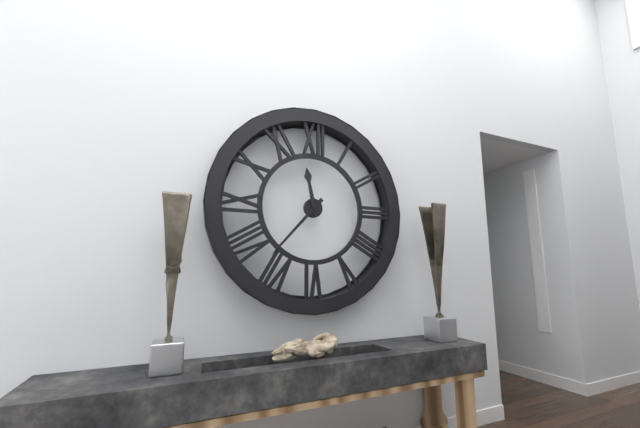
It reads 11 h 37 min
